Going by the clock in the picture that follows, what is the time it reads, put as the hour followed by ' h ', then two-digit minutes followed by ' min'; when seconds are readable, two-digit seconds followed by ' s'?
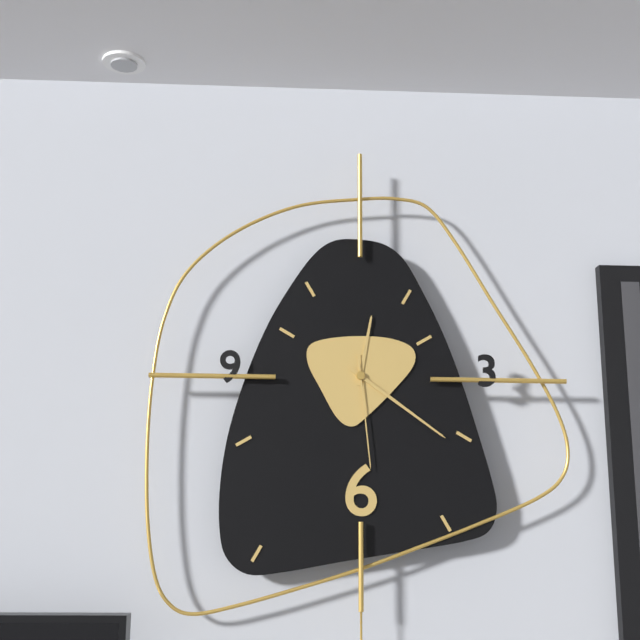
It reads 12 h 21 min 29 s
